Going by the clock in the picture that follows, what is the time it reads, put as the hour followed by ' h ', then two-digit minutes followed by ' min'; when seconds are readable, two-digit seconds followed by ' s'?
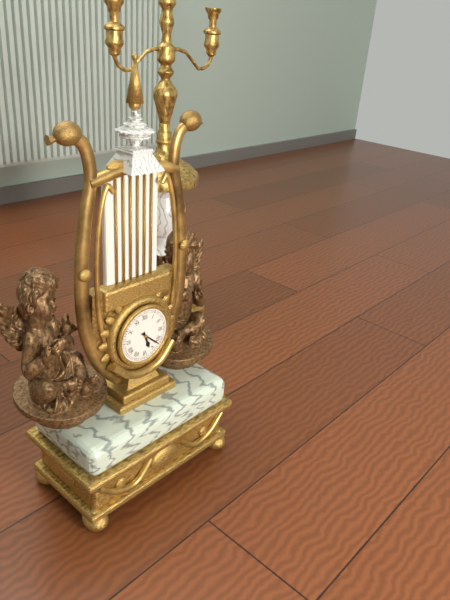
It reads 5 h 22 min
